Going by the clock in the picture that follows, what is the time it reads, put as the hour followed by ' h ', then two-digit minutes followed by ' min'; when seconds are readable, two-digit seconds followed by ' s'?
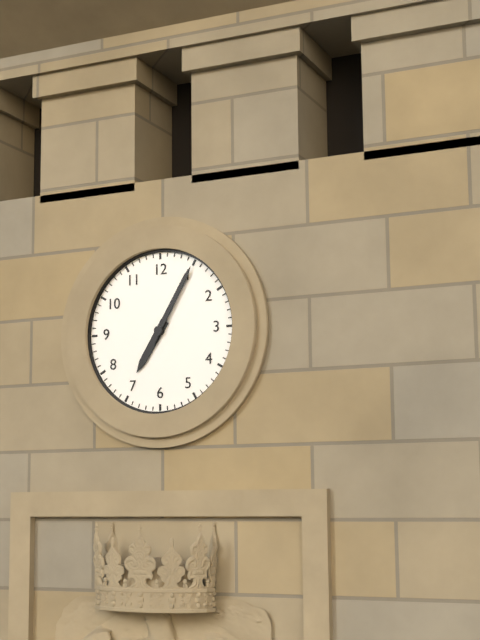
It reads 7 h 05 min
